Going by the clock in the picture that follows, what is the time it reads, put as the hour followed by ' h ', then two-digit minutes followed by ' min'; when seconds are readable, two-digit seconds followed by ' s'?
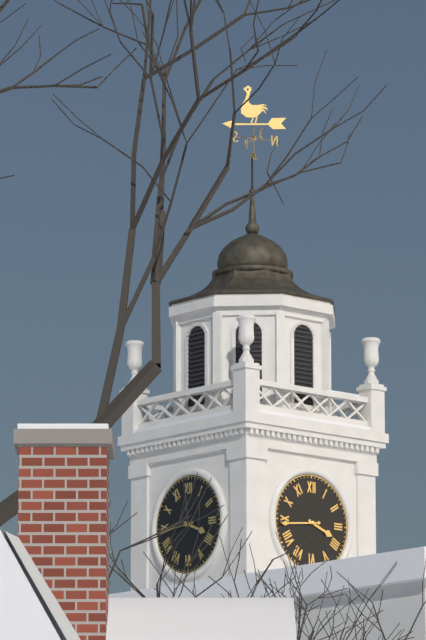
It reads 3 h 44 min
